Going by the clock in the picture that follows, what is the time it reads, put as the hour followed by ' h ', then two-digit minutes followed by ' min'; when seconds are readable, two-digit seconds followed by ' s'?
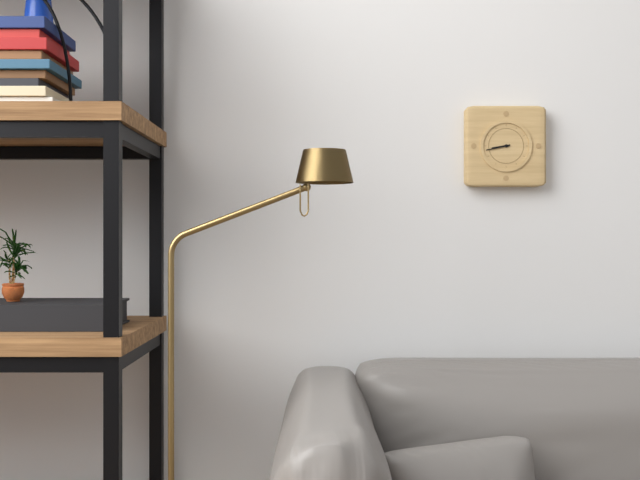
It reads 8 h 43 min
